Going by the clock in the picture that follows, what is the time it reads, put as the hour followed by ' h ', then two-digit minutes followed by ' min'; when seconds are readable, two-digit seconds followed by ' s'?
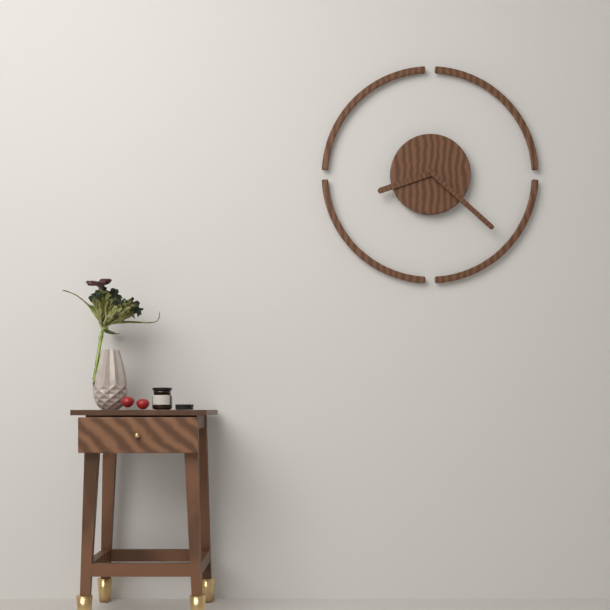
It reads 8 h 22 min
